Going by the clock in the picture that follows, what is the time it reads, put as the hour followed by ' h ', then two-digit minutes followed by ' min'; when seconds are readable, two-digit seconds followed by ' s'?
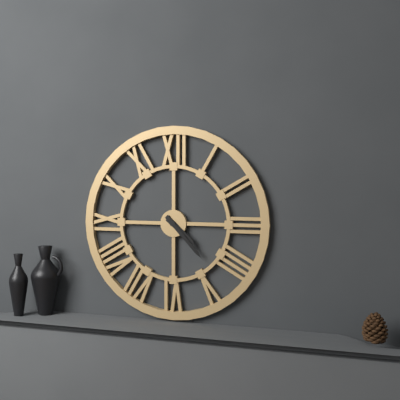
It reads 4 h 23 min
